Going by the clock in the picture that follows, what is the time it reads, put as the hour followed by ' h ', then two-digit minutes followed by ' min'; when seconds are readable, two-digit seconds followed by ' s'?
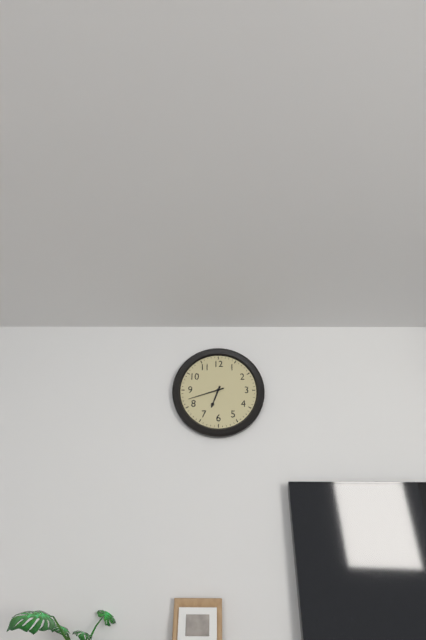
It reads 6 h 42 min
